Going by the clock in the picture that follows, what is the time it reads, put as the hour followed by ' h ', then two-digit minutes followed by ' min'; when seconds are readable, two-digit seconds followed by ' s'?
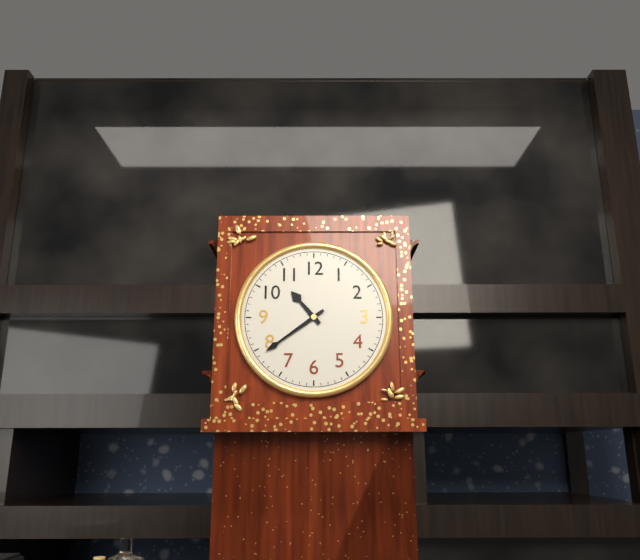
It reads 10 h 39 min
